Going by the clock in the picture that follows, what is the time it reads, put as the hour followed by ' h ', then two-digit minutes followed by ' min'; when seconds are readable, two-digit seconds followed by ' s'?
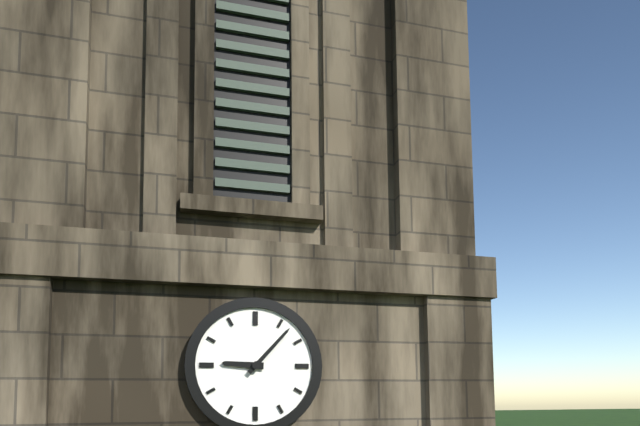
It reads 9 h 07 min
